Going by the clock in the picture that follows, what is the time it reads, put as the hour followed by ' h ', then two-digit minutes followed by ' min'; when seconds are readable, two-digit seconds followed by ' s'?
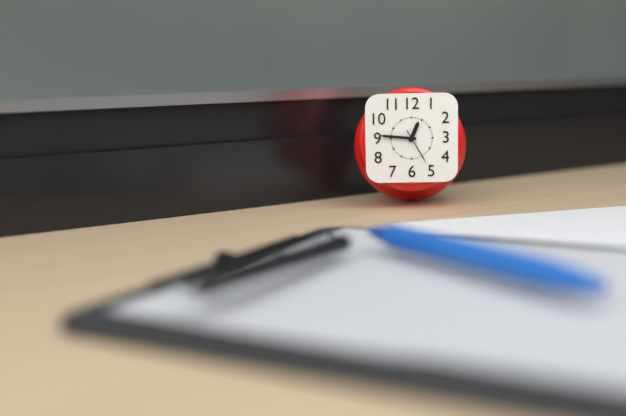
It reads 12 h 46 min
